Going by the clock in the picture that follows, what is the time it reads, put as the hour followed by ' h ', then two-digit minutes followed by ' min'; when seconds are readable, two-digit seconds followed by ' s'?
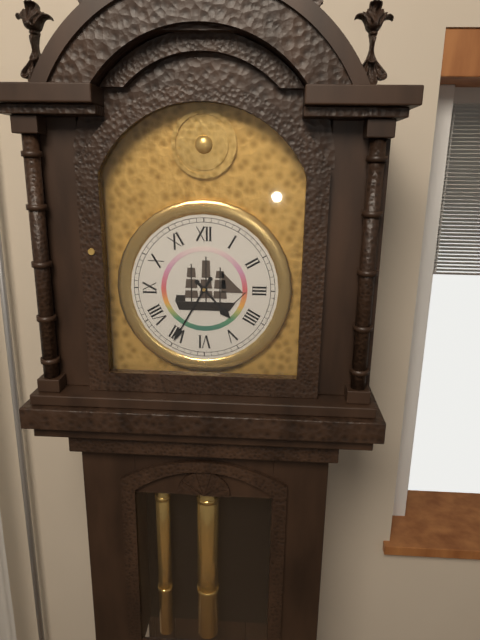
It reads 4 h 35 min
